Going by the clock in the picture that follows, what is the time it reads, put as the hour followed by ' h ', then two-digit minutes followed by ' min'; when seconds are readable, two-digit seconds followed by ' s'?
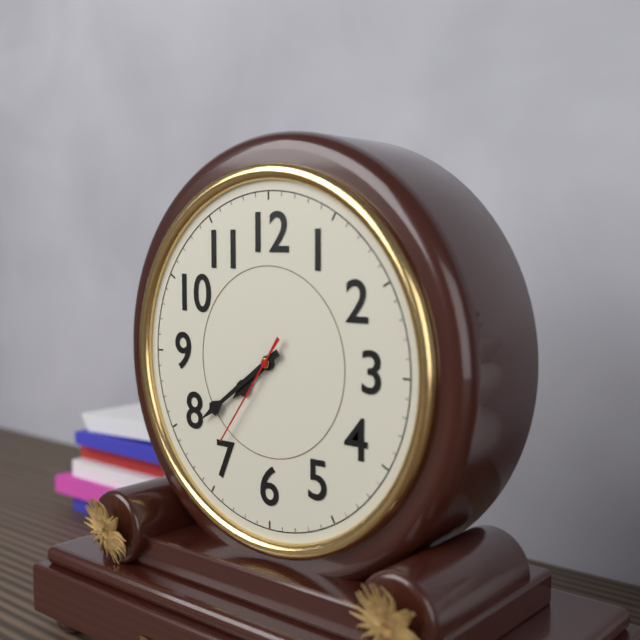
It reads 7 h 39 min 36 s
